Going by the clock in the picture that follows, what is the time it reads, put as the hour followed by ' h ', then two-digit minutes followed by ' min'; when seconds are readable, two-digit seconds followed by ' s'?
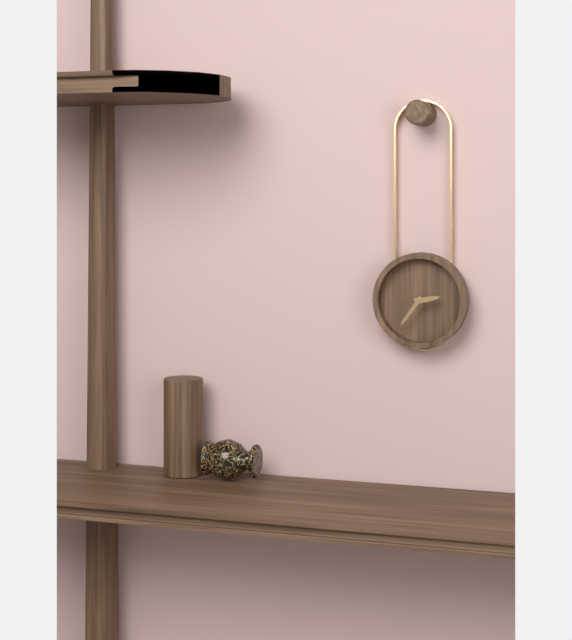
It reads 2 h 36 min
